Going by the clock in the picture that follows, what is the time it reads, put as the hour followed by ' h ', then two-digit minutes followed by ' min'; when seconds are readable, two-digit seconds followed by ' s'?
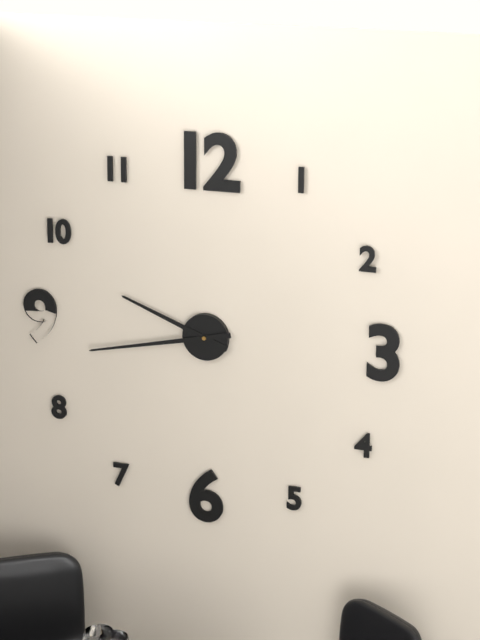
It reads 9 h 43 min
